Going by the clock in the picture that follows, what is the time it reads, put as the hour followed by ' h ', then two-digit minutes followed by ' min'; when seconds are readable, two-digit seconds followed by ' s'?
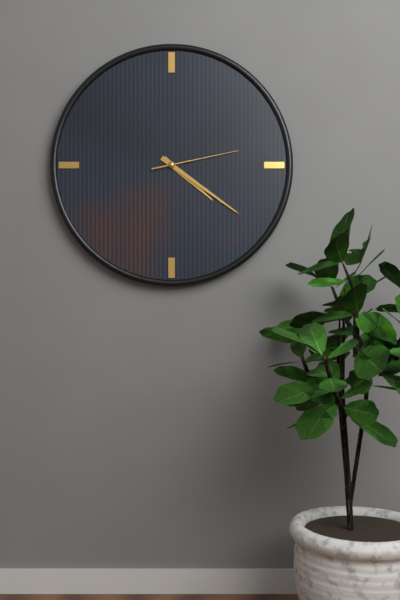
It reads 4 h 21 min 13 s
